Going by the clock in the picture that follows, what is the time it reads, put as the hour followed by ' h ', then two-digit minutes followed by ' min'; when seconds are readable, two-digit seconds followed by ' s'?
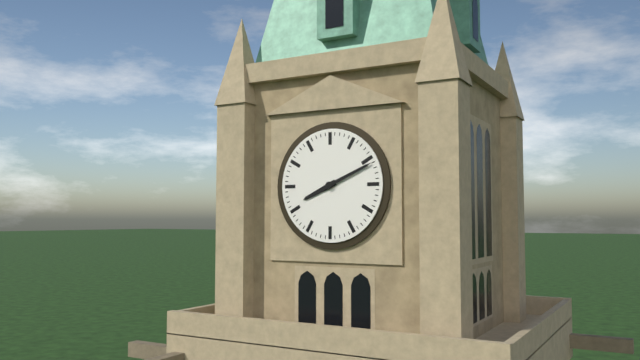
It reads 8 h 11 min
